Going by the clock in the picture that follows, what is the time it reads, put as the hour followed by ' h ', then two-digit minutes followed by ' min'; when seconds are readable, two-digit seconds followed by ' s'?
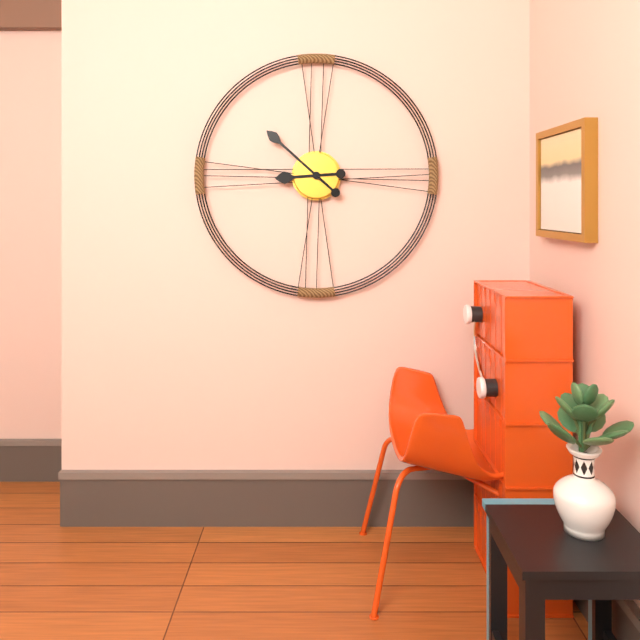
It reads 8 h 52 min
